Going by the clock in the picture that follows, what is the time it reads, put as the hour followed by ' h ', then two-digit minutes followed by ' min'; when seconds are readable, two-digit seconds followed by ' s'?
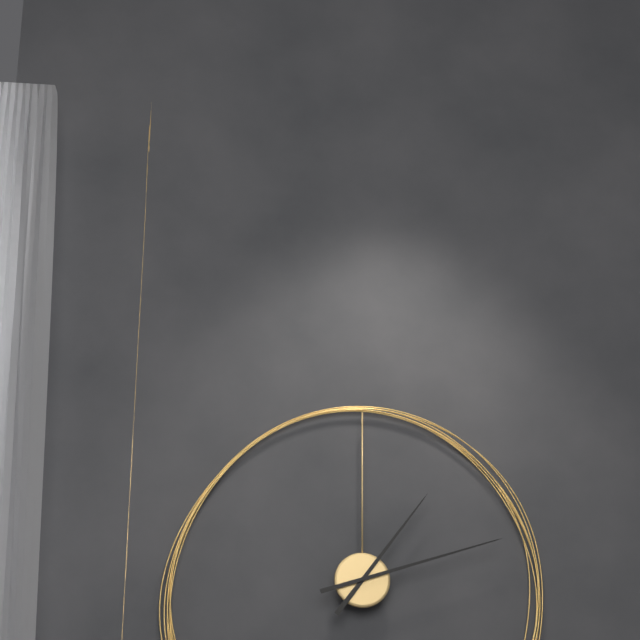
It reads 1 h 12 min
